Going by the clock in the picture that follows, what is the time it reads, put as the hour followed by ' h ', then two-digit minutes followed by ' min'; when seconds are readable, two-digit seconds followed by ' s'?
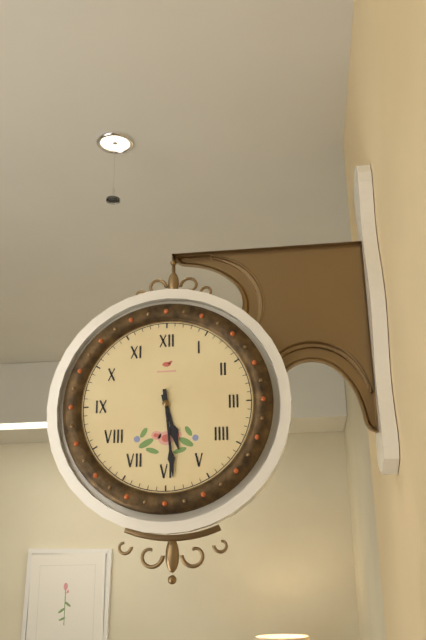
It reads 5 h 29 min
